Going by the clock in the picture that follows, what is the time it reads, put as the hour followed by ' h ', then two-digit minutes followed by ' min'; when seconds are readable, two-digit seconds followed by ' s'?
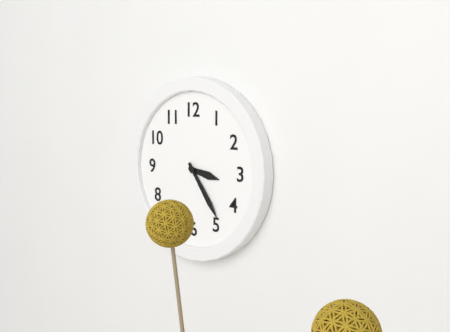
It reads 3 h 24 min
